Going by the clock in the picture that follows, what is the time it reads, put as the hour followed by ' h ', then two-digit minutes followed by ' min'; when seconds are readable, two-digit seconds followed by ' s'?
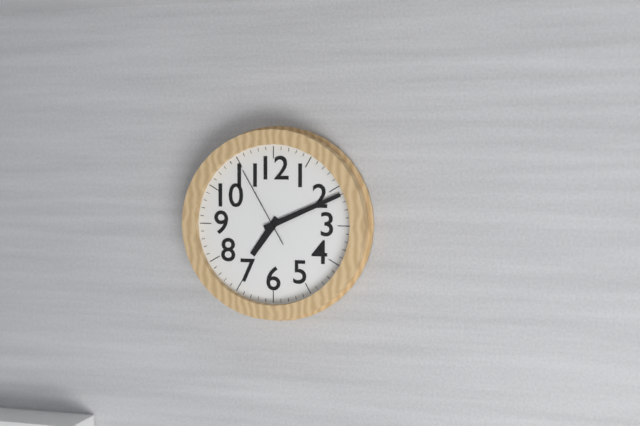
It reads 7 h 11 min 55 s
